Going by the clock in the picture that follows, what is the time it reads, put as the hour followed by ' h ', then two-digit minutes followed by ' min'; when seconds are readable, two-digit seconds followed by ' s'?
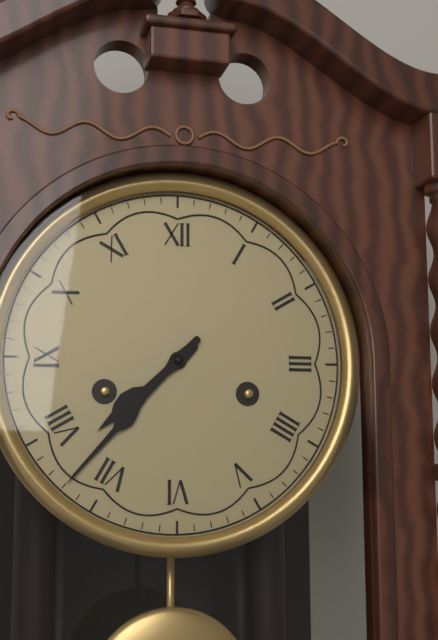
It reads 7 h 37 min
